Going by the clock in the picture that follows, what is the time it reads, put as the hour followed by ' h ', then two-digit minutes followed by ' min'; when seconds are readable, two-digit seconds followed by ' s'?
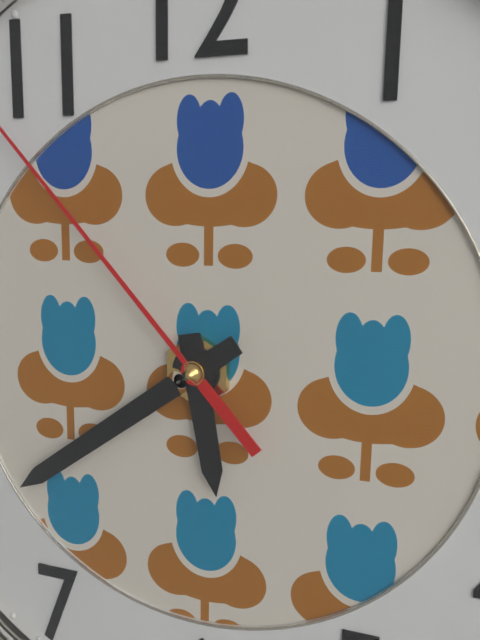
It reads 5 h 39 min
